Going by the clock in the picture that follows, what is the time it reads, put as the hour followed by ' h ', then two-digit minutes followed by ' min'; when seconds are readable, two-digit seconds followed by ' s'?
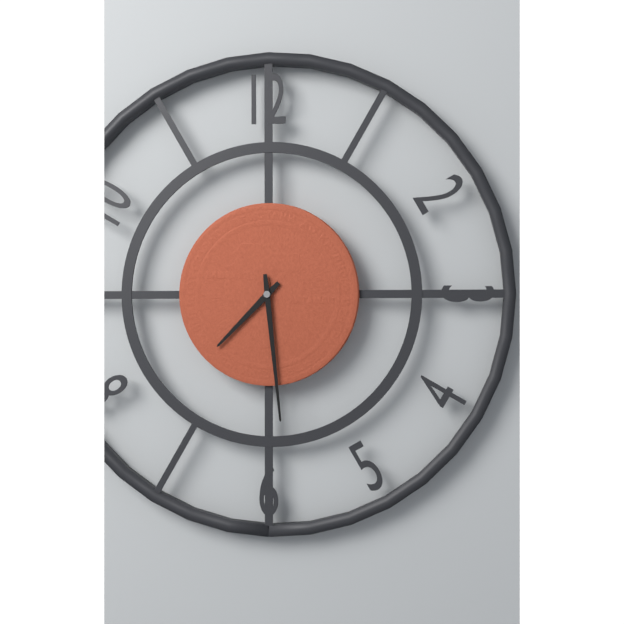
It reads 7 h 29 min
